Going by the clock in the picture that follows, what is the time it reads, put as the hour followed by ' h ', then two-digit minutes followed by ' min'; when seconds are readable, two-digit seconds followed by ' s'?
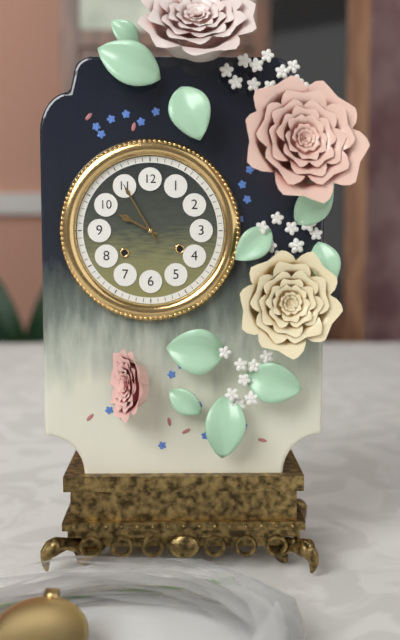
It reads 9 h 55 min
